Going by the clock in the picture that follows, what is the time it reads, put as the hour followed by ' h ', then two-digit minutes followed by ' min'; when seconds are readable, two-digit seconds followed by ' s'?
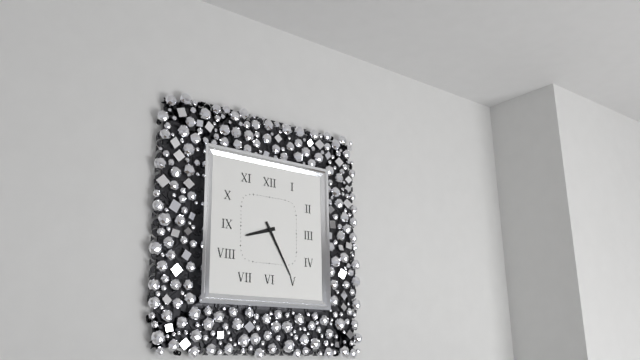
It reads 8 h 25 min
